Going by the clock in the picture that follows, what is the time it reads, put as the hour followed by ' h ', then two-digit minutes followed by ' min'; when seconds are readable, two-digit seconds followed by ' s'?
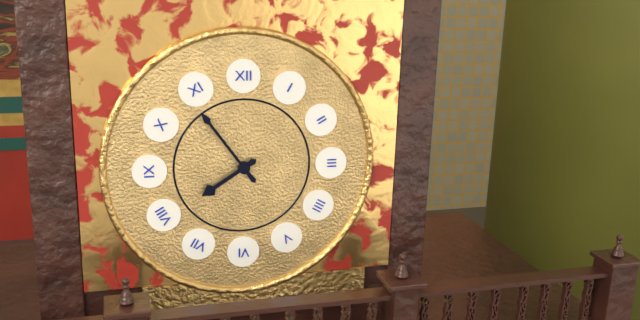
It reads 7 h 54 min
